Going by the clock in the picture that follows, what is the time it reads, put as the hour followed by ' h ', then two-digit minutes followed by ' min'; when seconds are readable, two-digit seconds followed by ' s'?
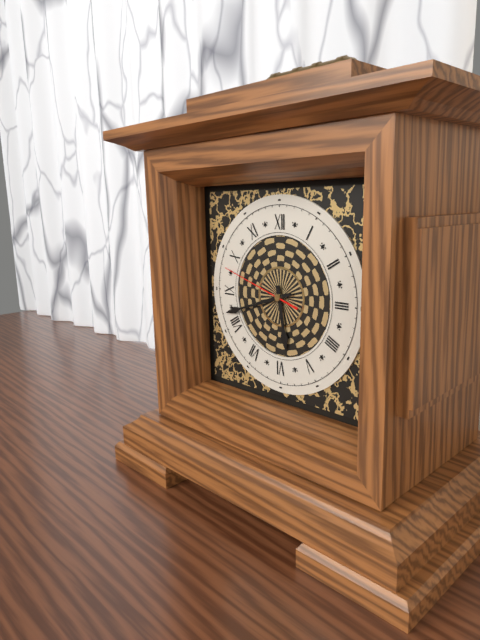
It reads 5 h 42 min 48 s
